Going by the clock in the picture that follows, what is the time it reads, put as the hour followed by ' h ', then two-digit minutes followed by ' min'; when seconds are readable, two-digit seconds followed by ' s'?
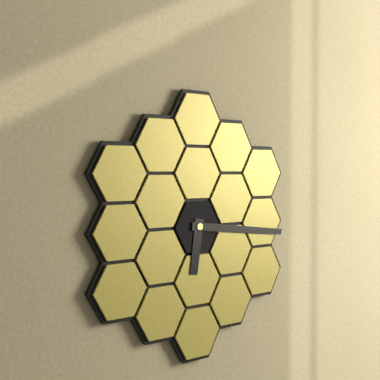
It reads 6 h 16 min
